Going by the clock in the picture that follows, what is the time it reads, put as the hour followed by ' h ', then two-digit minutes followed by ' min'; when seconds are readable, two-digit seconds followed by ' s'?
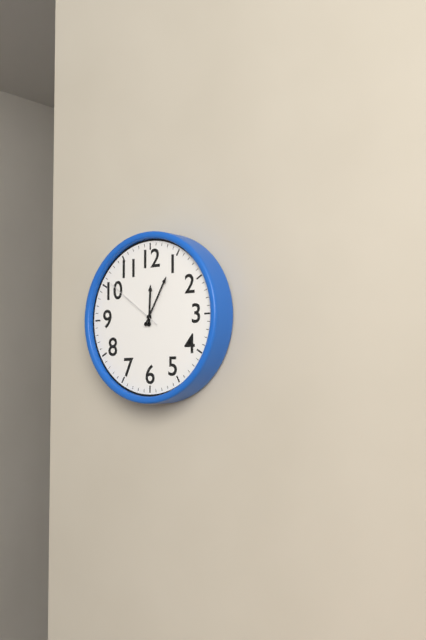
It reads 12 h 05 min 51 s
